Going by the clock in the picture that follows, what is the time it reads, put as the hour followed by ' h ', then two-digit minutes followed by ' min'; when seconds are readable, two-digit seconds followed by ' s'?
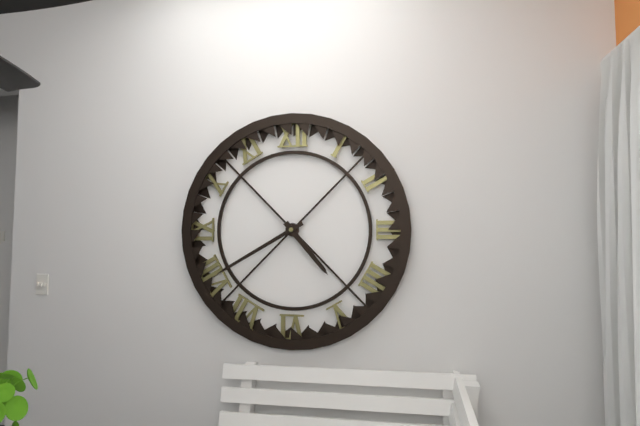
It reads 4 h 40 min
